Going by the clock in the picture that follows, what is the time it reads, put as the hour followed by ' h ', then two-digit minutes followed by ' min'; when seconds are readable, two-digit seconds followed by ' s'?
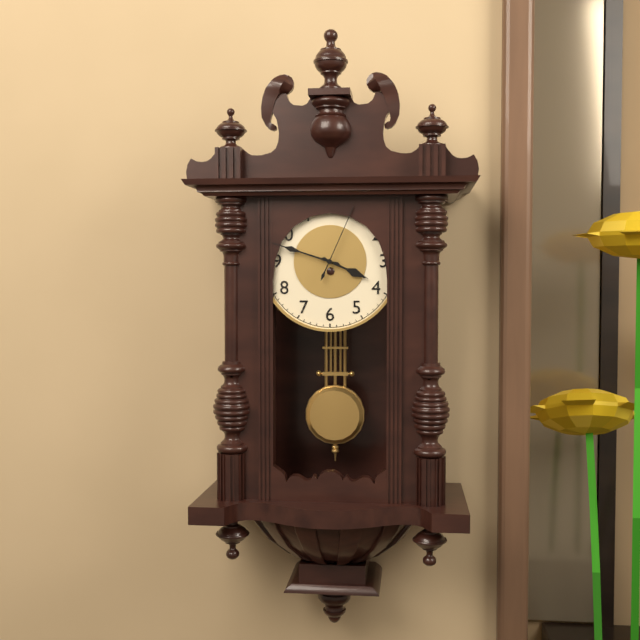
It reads 3 h 48 min 04 s
